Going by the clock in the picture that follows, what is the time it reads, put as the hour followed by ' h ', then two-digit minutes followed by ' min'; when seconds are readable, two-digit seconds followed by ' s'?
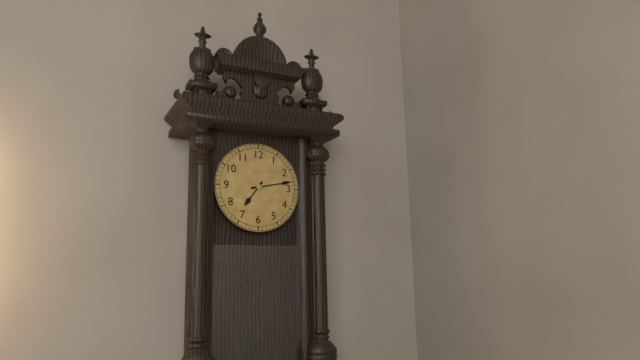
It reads 7 h 13 min
